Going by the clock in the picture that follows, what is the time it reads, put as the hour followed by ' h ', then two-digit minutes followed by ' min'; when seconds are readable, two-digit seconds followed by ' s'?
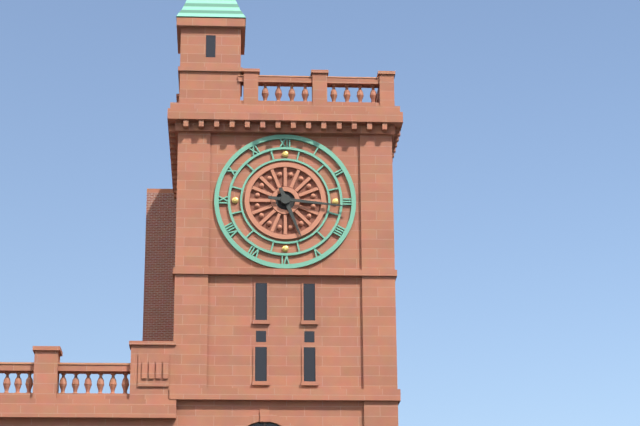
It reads 5 h 16 min
